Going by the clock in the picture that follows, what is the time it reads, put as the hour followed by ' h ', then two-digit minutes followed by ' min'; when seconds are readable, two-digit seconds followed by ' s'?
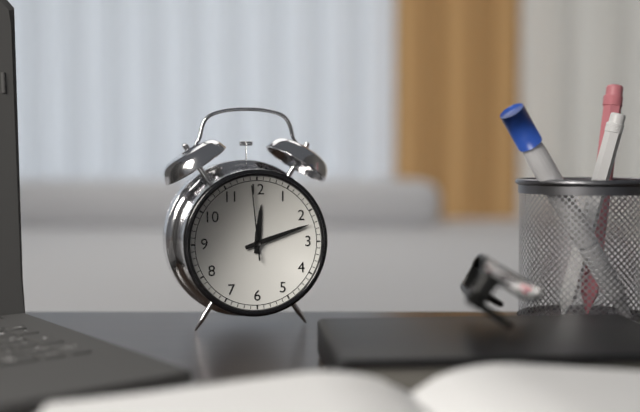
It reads 12 h 12 min 59 s
